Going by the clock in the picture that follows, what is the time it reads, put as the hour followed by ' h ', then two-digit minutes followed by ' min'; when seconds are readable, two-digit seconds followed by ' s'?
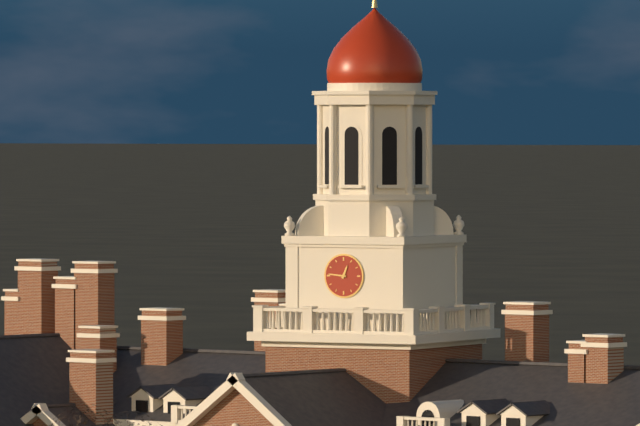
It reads 12 h 46 min
